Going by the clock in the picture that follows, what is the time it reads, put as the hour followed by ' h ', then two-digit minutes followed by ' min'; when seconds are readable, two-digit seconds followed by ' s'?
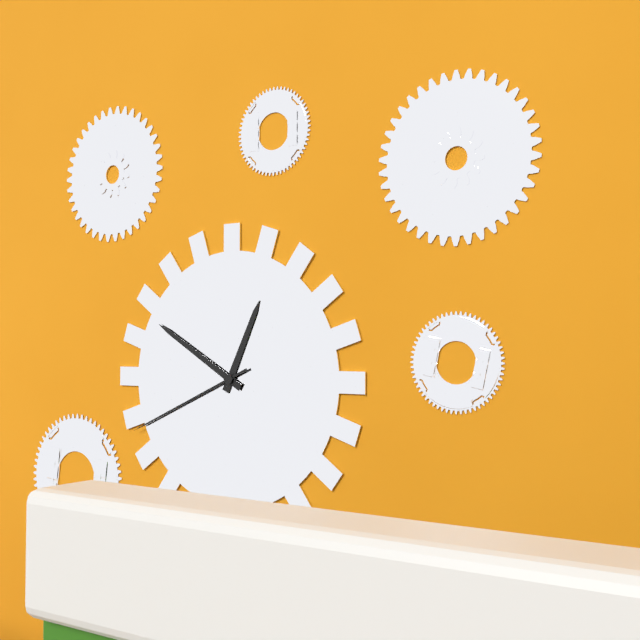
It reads 12 h 50 min 41 s
